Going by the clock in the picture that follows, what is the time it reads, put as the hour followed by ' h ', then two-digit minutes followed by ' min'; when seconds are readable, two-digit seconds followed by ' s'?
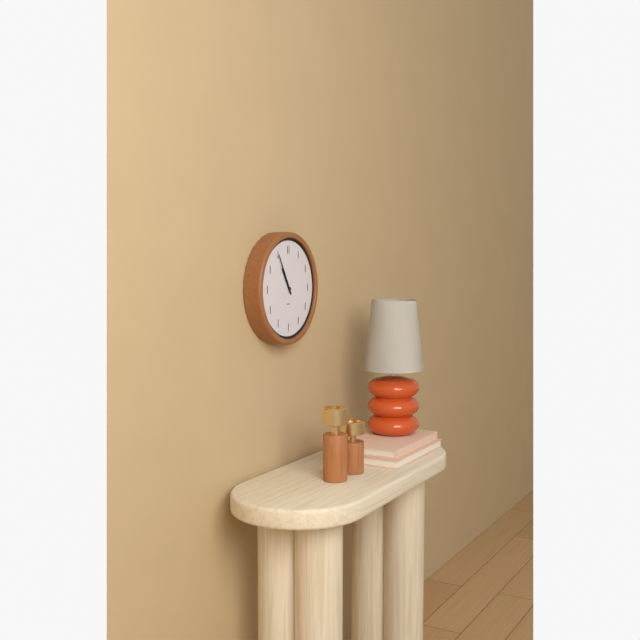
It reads 10 h 55 min
